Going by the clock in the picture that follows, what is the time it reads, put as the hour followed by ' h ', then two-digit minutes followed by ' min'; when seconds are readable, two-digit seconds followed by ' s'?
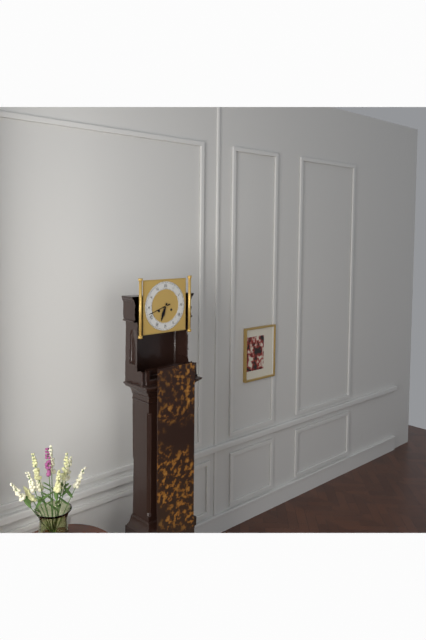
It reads 6 h 42 min
